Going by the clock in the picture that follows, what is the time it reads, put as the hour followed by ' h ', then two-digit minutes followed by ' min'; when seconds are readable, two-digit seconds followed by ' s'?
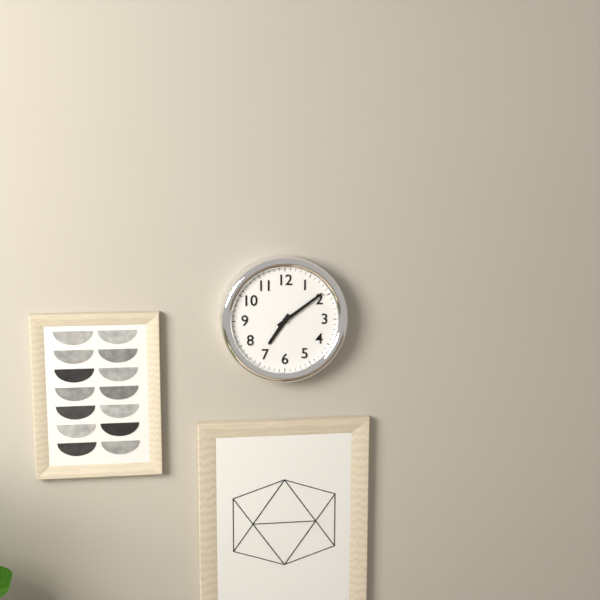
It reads 7 h 09 min
